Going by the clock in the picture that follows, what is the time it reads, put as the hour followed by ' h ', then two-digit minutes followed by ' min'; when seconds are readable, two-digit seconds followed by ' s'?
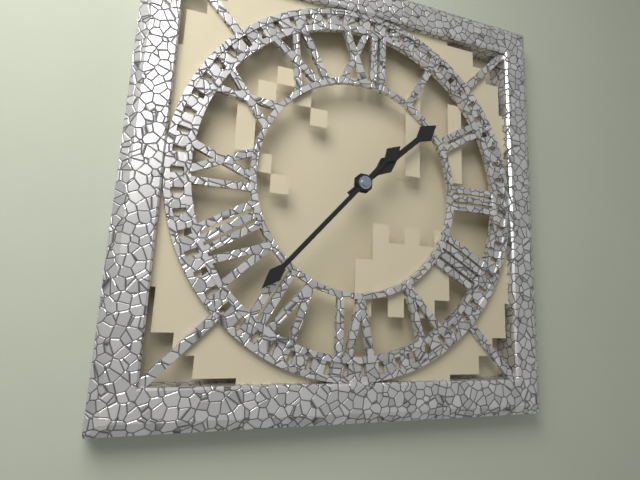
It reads 1 h 37 min
